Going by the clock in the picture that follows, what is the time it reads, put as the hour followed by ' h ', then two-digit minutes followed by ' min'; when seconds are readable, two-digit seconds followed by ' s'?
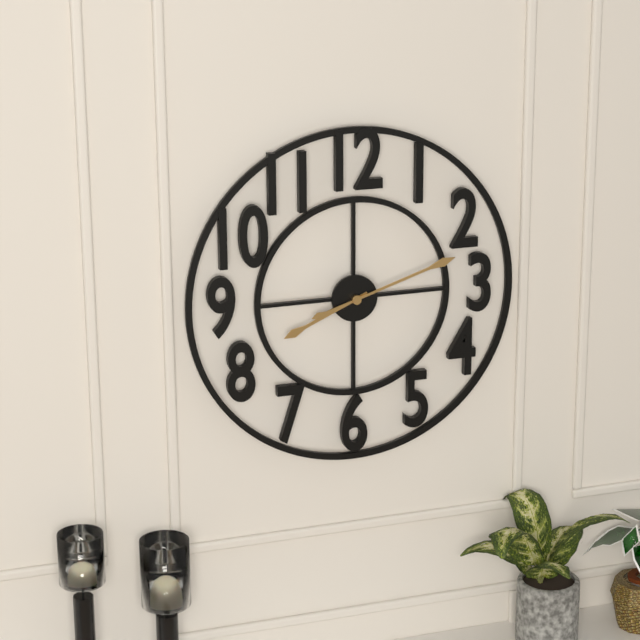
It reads 8 h 12 min
